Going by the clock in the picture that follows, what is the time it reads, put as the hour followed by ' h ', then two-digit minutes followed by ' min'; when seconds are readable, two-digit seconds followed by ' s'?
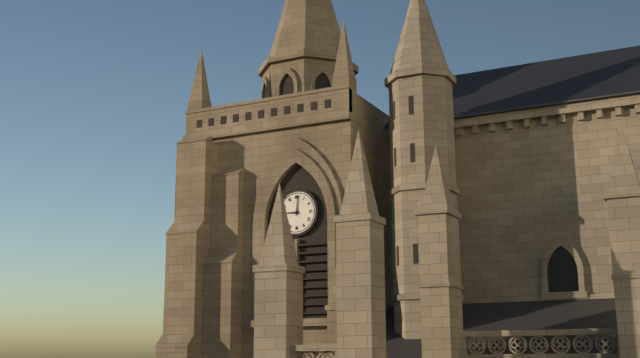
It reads 9 h 01 min
